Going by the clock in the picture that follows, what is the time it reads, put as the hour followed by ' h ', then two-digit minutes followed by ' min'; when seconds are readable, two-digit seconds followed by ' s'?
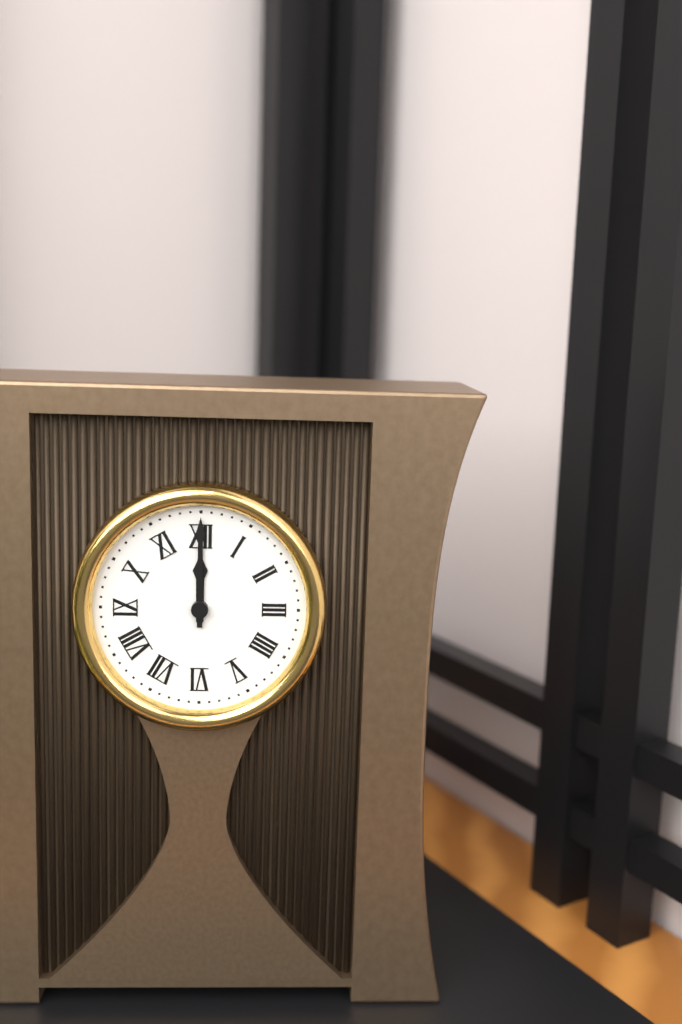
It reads 12 h 00 min
